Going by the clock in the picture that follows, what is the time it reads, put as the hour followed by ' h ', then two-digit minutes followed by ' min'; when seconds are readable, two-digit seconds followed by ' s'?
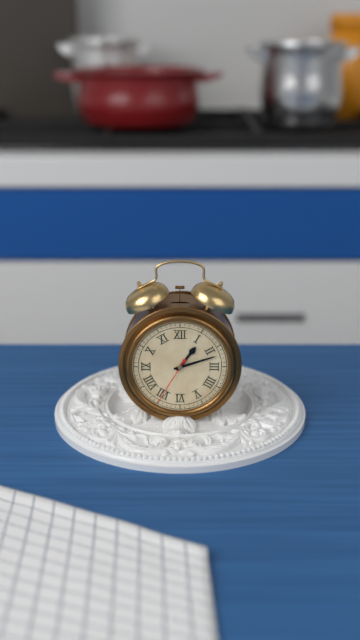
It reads 1 h 12 min 35 s
